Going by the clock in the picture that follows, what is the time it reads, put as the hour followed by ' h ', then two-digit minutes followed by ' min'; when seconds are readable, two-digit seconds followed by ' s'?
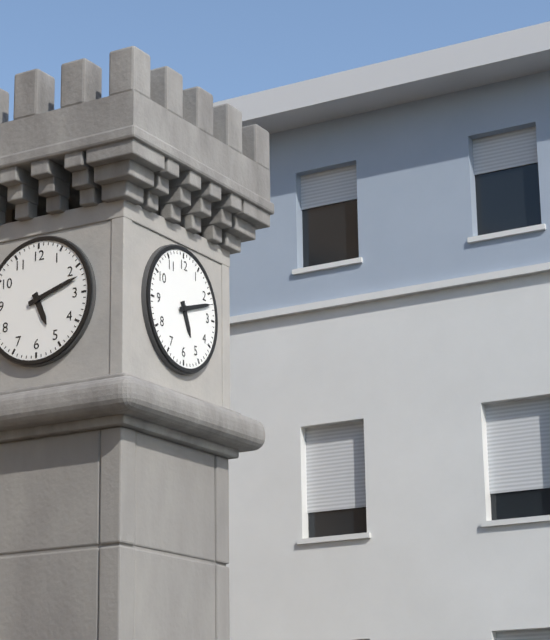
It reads 5 h 12 min
